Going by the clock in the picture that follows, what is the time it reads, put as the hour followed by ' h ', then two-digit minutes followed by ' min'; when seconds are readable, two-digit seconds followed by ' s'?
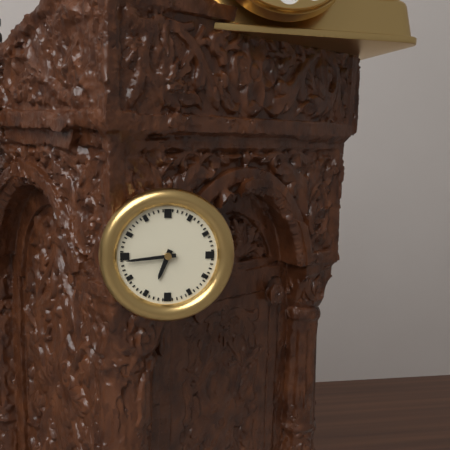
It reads 6 h 44 min
